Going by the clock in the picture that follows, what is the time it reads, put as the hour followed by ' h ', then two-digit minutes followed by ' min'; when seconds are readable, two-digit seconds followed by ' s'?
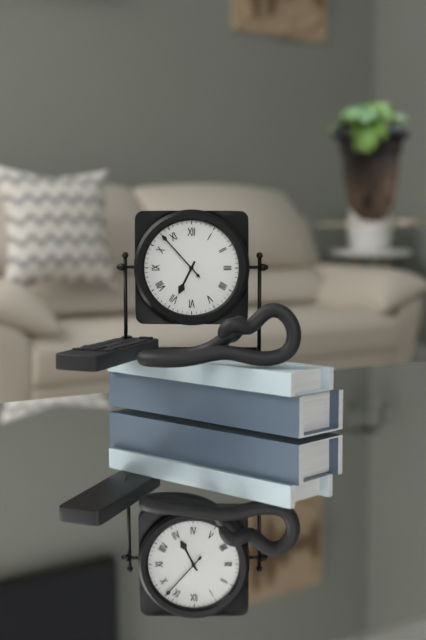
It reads 6 h 53 min
